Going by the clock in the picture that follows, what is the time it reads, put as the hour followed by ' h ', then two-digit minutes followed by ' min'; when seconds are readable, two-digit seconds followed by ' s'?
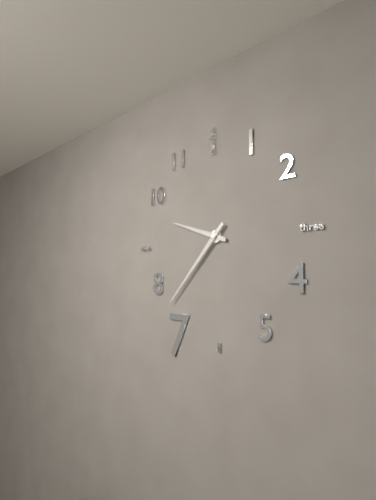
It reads 9 h 37 min
